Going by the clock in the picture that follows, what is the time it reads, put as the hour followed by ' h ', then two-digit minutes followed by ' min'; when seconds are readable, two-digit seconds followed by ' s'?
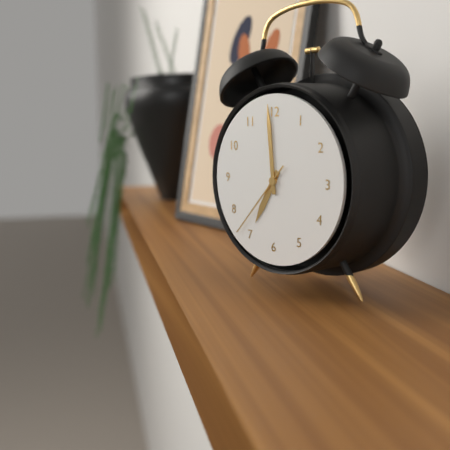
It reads 6 h 59 min 37 s
